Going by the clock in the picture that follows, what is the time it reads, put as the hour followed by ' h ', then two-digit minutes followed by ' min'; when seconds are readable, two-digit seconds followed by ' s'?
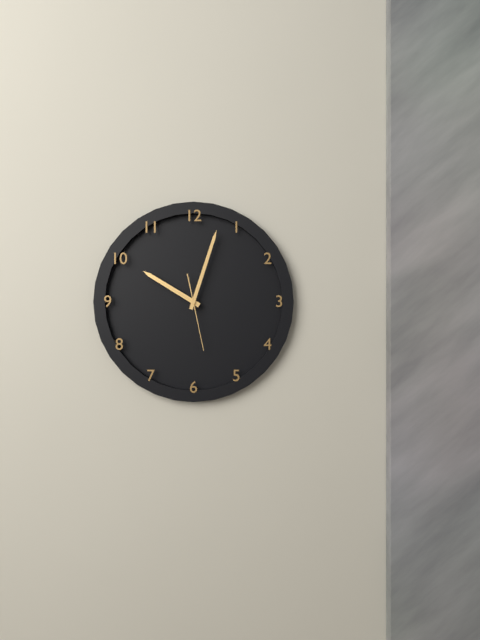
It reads 10 h 03 min 28 s
